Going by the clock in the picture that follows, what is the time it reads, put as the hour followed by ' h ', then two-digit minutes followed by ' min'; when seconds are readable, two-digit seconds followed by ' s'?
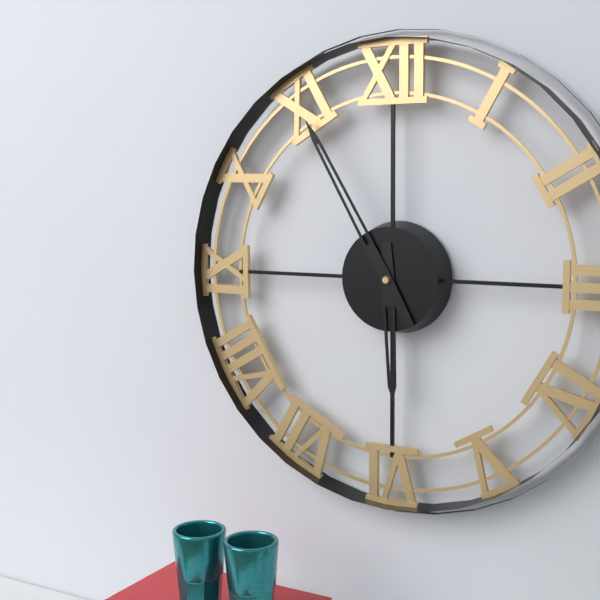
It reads 5 h 55 min
